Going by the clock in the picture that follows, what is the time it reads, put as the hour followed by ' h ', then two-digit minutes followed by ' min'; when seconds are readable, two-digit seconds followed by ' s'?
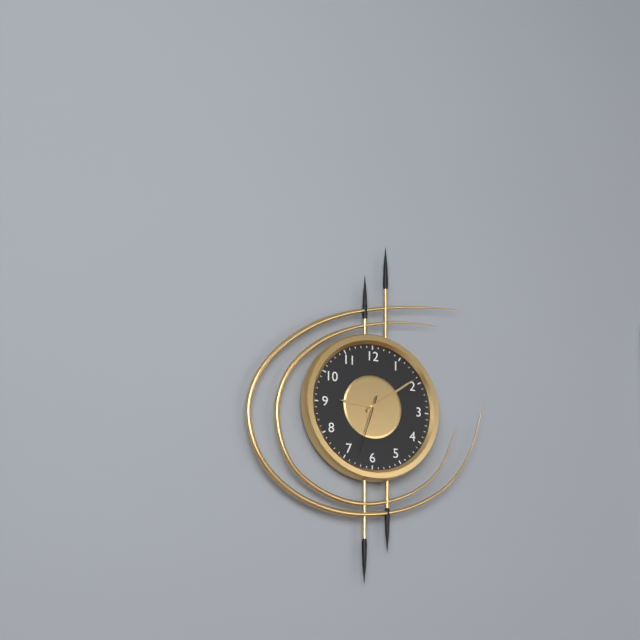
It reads 9 h 09 min 33 s
